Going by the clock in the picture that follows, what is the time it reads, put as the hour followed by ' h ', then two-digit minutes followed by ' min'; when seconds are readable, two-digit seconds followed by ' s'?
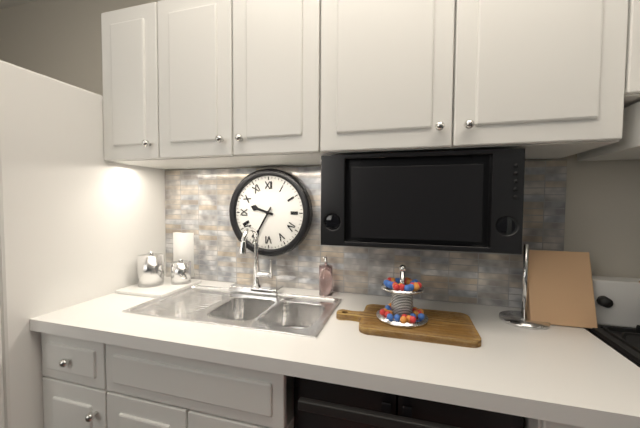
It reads 9 h 35 min
